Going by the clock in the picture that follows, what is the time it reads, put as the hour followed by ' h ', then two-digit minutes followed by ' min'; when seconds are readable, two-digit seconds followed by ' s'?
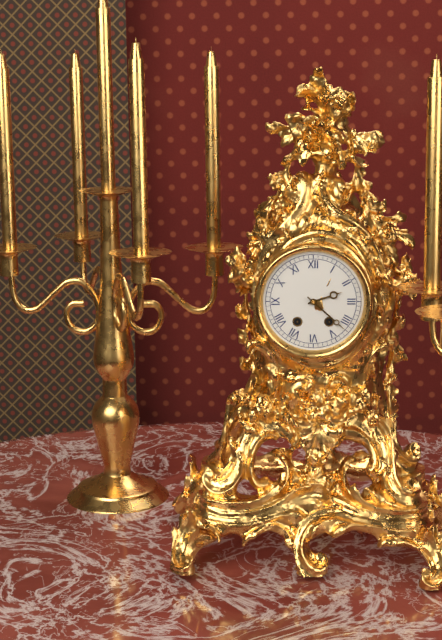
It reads 2 h 22 min
